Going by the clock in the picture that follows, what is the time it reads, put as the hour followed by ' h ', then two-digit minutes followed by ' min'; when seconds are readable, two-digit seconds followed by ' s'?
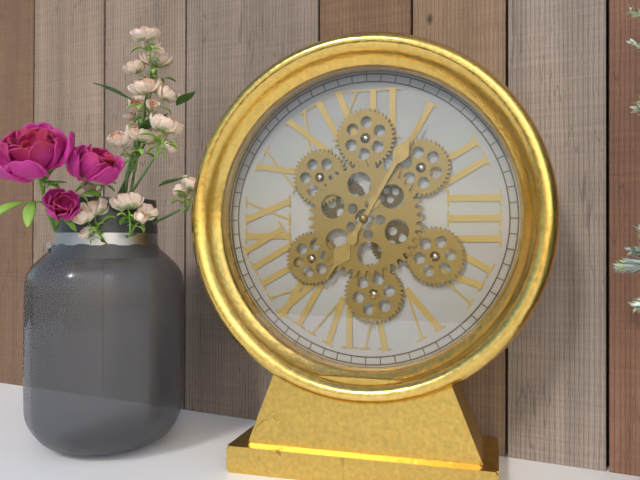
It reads 7 h 05 min
